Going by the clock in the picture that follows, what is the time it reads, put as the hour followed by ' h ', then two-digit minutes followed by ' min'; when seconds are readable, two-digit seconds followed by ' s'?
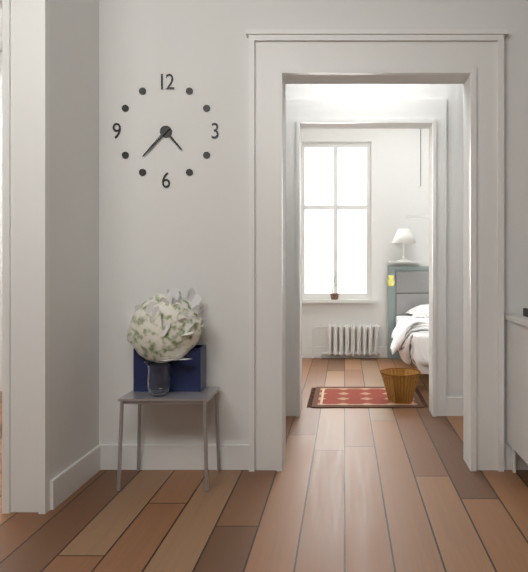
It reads 4 h 37 min
